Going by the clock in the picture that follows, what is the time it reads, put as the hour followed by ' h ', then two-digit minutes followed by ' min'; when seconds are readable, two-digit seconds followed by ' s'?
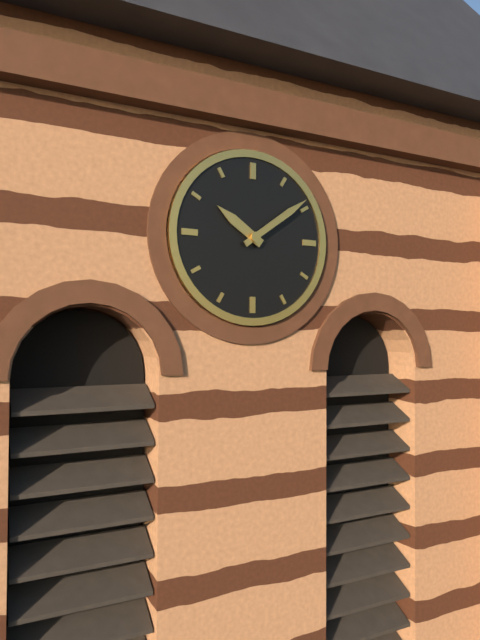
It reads 10 h 09 min
